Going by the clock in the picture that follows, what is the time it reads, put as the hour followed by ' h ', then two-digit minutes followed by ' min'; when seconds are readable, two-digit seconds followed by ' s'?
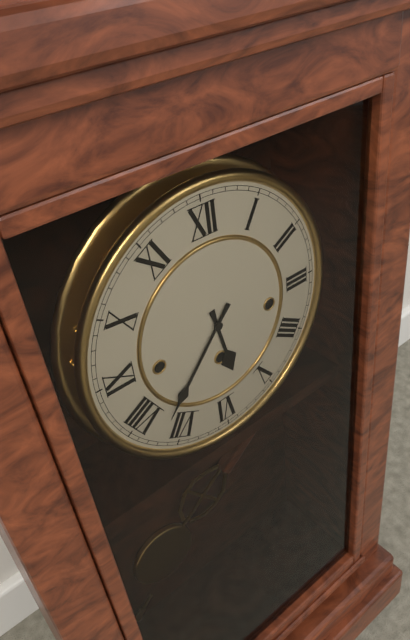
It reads 5 h 37 min
